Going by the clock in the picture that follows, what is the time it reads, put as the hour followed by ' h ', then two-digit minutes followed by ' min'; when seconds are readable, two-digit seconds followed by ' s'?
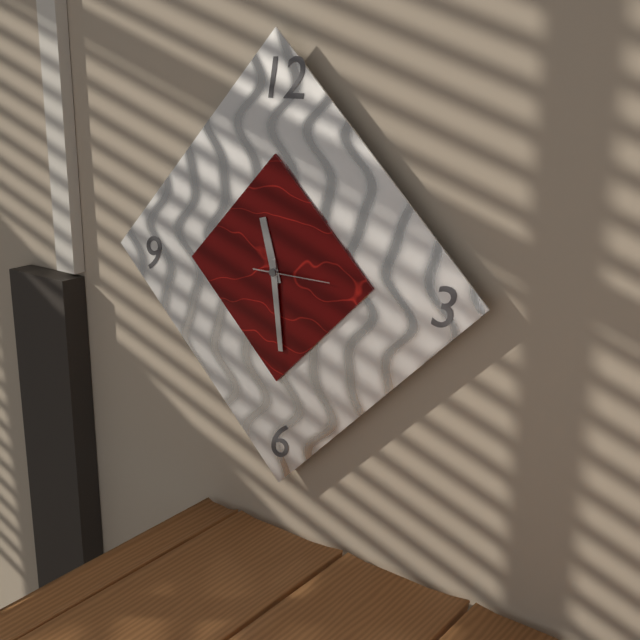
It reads 11 h 29 min 15 s
